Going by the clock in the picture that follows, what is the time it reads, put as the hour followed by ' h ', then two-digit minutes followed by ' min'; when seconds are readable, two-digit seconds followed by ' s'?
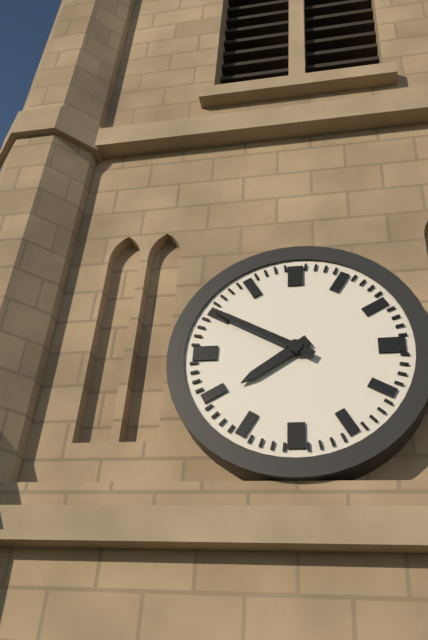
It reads 7 h 50 min
